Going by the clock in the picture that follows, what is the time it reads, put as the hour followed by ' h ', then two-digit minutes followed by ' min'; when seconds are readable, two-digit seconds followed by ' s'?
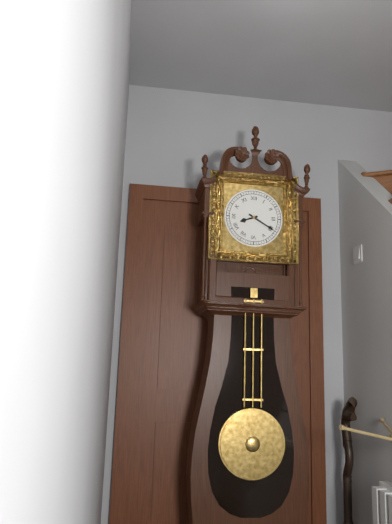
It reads 8 h 20 min
